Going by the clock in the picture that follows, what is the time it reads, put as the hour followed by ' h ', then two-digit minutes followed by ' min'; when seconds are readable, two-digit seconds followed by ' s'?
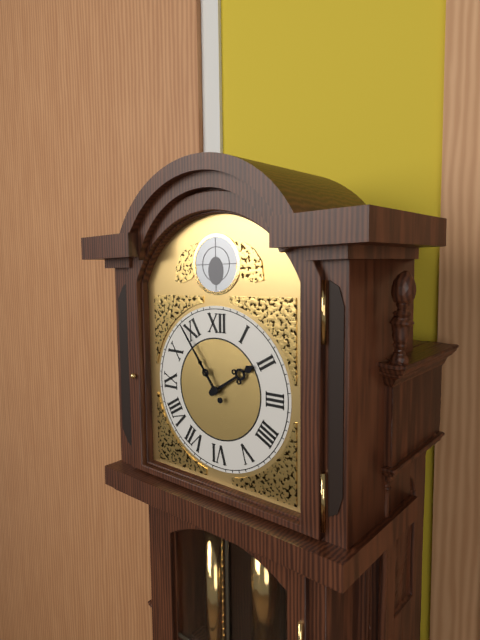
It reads 1 h 54 min
